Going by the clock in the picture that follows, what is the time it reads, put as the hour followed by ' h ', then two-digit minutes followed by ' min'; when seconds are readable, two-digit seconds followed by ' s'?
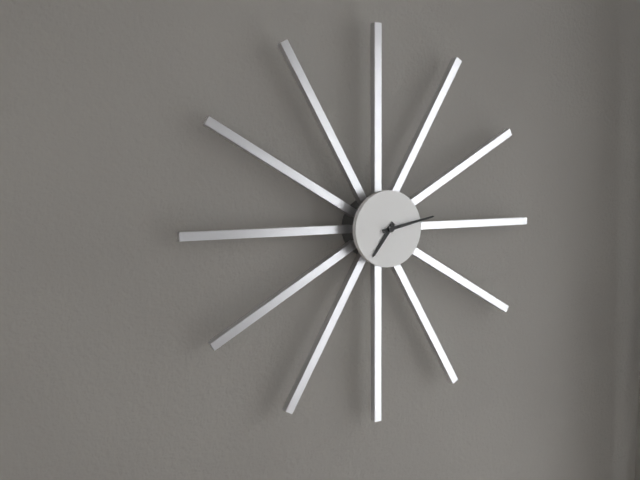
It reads 7 h 13 min
